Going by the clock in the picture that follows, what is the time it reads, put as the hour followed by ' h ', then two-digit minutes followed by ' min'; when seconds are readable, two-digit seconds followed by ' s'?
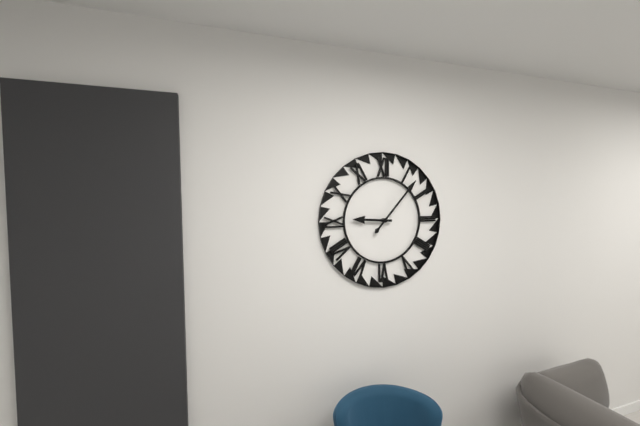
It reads 9 h 07 min
